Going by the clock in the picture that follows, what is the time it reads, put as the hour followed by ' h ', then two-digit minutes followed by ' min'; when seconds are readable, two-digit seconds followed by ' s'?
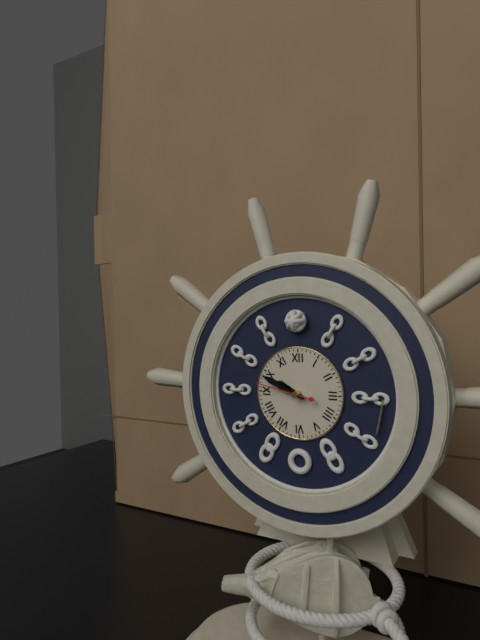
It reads 9 h 49 min 47 s
